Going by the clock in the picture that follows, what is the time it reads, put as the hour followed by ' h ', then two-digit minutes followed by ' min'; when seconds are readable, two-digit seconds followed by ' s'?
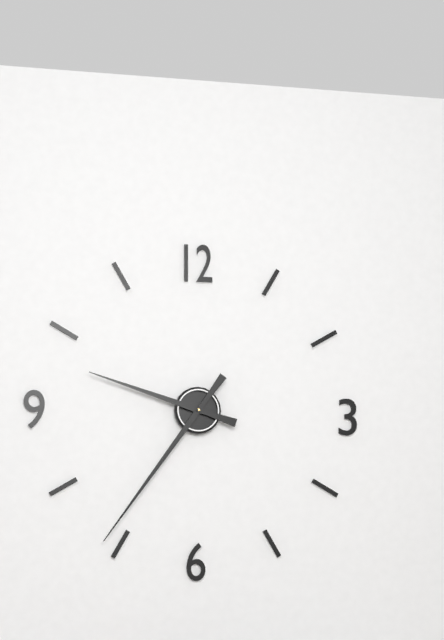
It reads 9 h 36 min
